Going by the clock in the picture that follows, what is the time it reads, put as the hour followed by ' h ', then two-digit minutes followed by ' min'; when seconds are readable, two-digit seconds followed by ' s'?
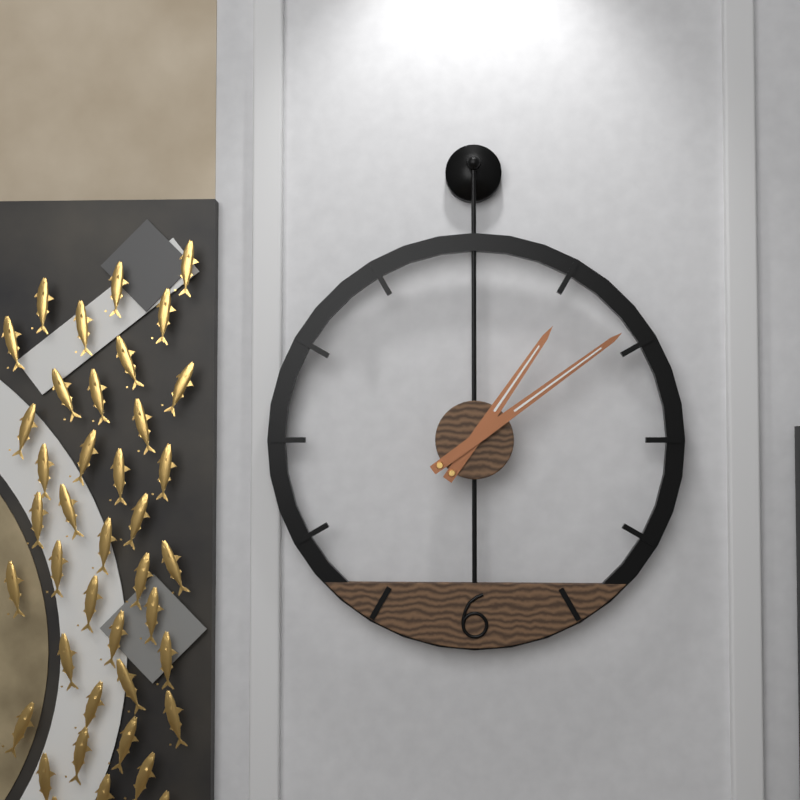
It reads 1 h 09 min
